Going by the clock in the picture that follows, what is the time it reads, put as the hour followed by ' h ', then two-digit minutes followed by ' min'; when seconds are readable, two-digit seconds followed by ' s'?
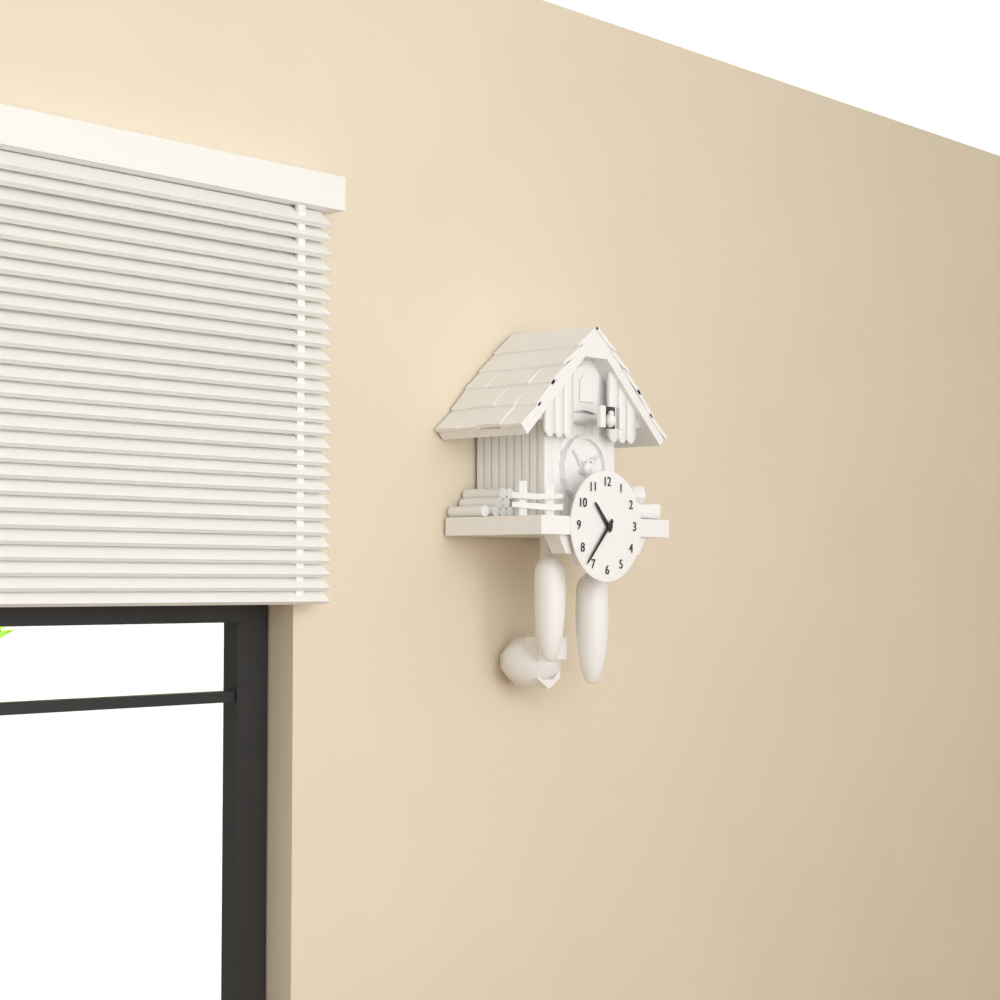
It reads 10 h 37 min
